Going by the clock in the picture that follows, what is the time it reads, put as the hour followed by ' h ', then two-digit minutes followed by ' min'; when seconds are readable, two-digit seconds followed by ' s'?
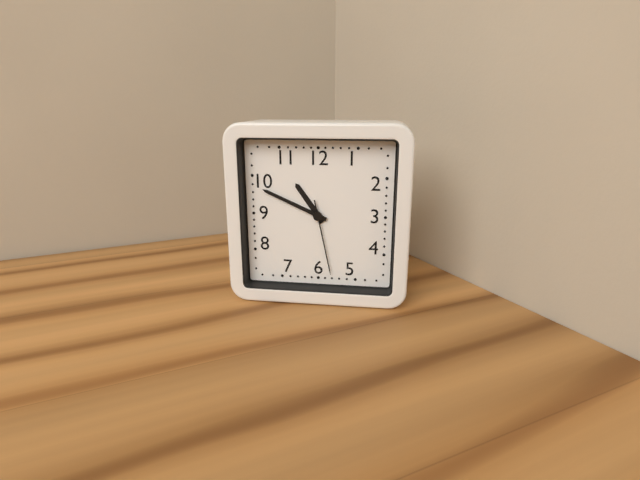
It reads 10 h 49 min 28 s
